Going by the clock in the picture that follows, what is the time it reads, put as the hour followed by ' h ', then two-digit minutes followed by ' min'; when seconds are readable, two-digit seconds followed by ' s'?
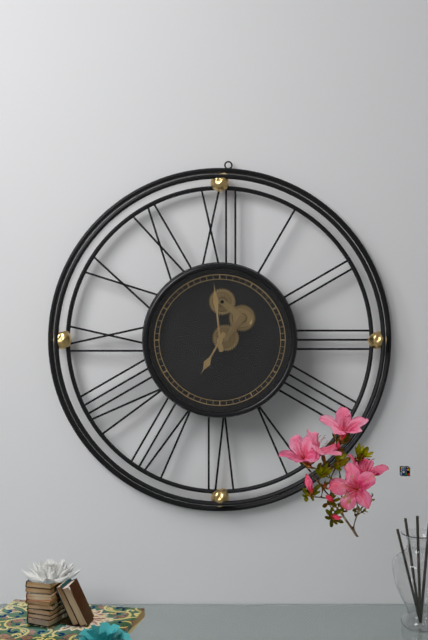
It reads 6 h 59 min
